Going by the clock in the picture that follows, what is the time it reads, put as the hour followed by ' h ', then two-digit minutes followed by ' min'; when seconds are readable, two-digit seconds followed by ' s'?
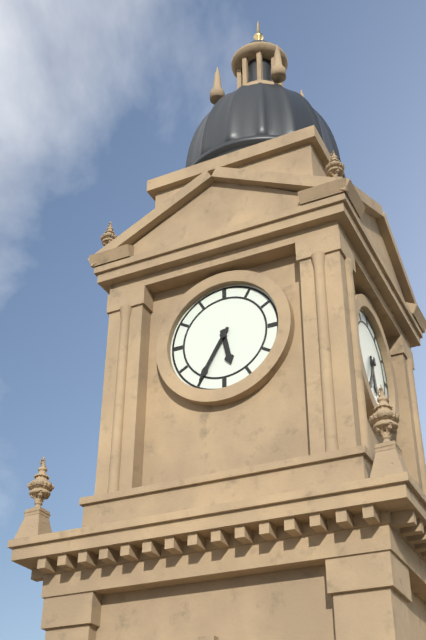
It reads 5 h 35 min
